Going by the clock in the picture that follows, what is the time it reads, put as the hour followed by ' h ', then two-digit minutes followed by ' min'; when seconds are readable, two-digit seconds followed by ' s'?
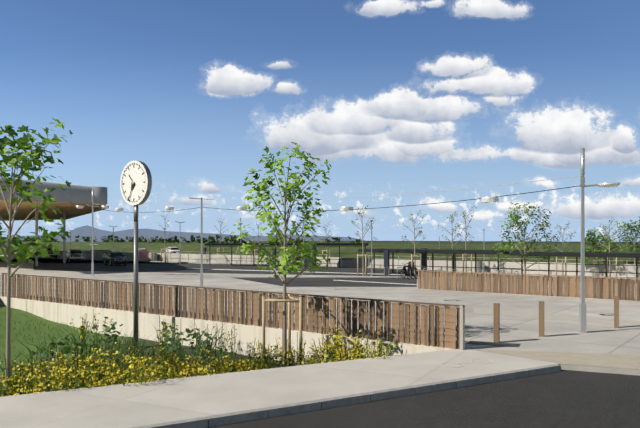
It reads 10 h 34 min
